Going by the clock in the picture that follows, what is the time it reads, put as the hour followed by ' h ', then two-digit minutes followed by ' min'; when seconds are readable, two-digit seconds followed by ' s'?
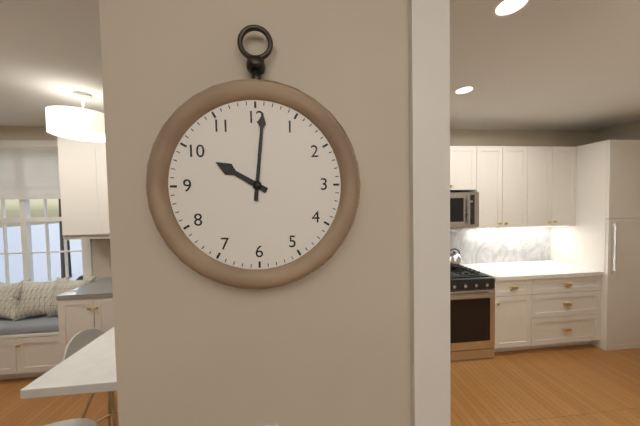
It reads 10 h 01 min
